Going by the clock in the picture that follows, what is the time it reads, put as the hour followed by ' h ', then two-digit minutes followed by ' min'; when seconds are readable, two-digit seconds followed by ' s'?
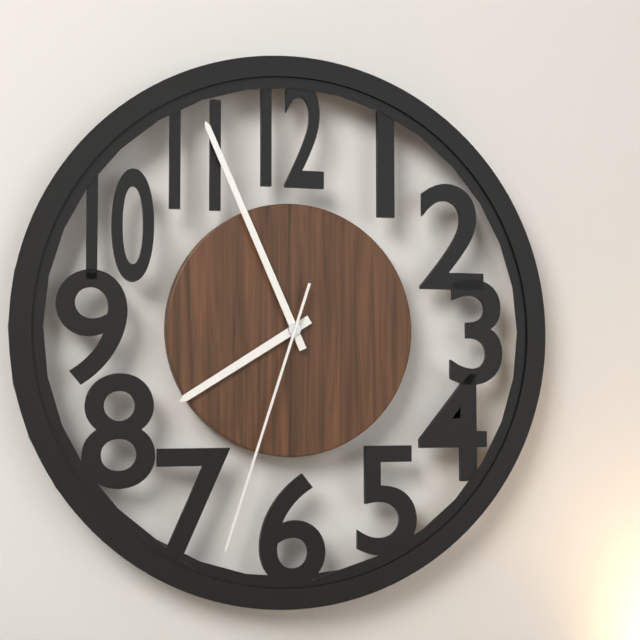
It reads 7 h 56 min 33 s
